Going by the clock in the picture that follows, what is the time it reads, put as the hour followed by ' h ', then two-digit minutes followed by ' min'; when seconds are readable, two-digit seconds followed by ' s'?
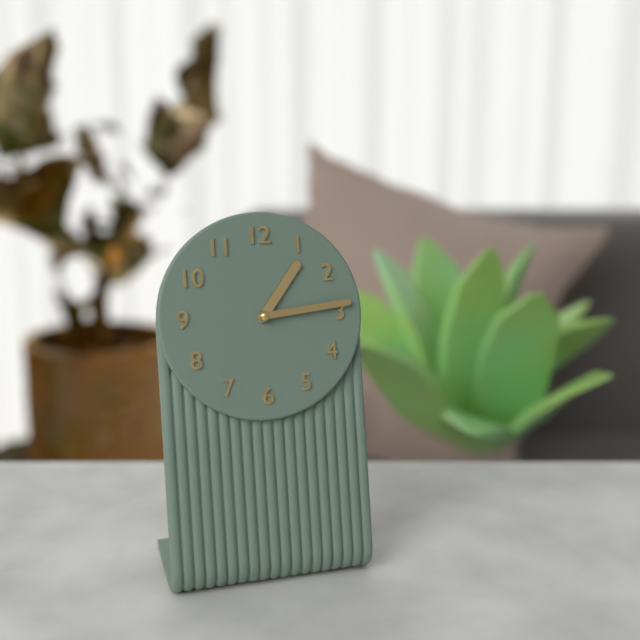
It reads 1 h 14 min
